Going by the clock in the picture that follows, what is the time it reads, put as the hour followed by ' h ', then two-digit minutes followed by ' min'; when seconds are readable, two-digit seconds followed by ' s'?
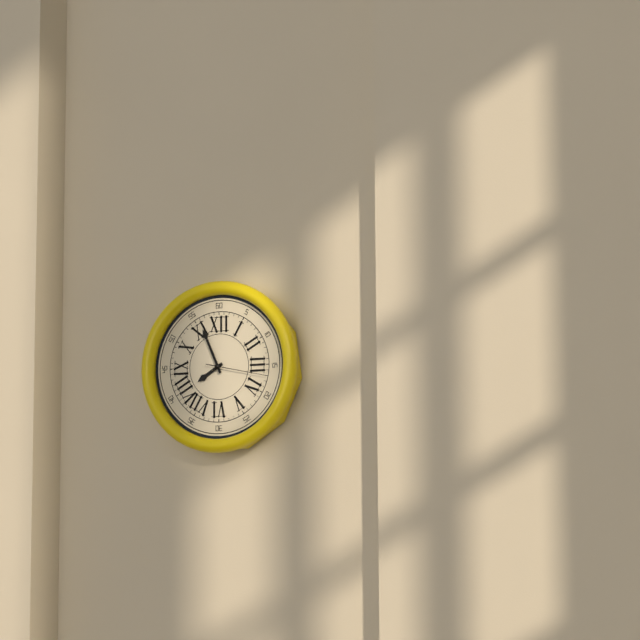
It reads 7 h 56 min
